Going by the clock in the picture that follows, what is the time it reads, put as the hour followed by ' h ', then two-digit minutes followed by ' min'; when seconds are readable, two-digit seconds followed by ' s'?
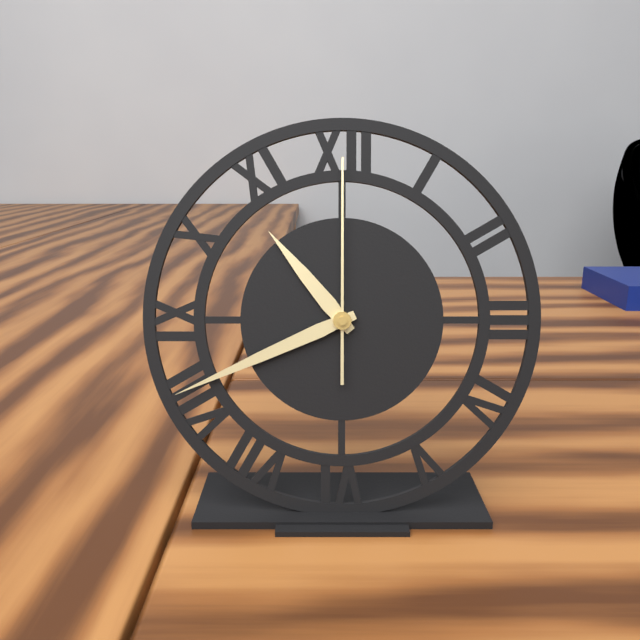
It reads 10 h 41 min 00 s
